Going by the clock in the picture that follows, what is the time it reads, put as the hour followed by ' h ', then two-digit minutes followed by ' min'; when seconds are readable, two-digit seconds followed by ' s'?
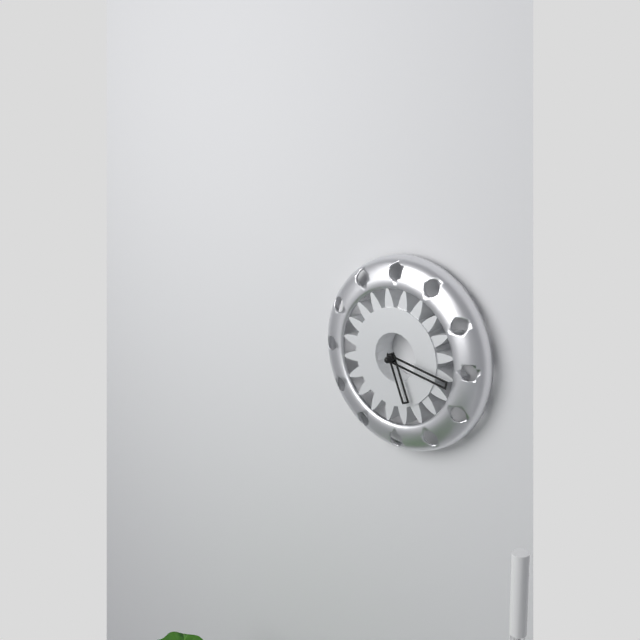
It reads 5 h 17 min
